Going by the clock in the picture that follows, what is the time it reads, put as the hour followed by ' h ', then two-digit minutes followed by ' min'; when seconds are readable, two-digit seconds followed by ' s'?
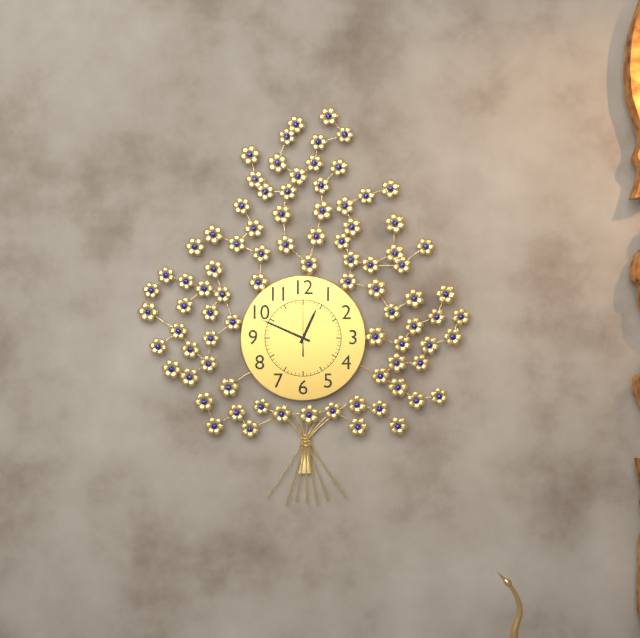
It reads 12 h 49 min
